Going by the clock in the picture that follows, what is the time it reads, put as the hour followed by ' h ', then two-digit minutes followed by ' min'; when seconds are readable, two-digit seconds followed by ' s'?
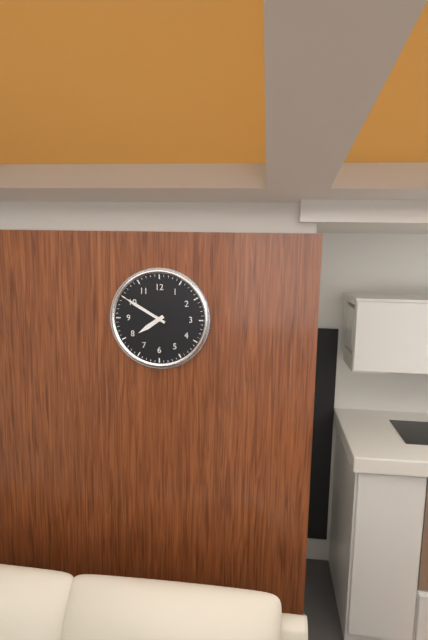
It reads 7 h 50 min
